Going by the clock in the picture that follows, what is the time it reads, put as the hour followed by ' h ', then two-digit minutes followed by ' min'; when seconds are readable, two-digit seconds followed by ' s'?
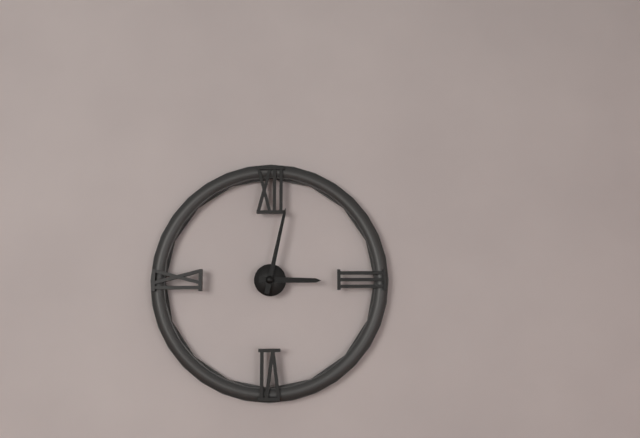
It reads 3 h 02 min
